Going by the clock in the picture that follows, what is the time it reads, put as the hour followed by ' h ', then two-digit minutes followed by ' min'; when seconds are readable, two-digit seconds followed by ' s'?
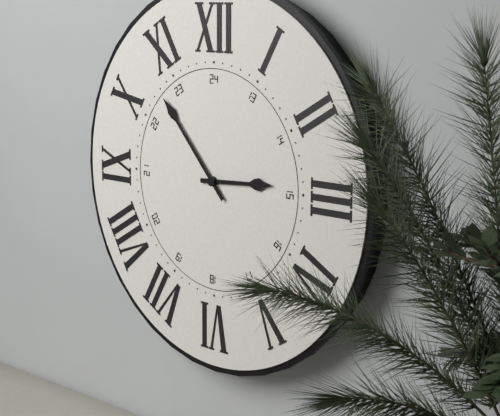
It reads 2 h 53 min
